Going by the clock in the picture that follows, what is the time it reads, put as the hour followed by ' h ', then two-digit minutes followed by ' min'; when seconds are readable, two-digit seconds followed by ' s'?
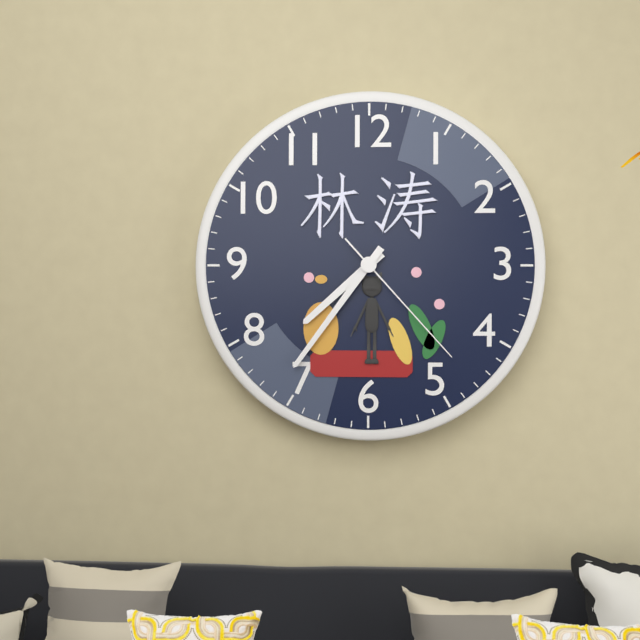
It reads 7 h 36 min 23 s
